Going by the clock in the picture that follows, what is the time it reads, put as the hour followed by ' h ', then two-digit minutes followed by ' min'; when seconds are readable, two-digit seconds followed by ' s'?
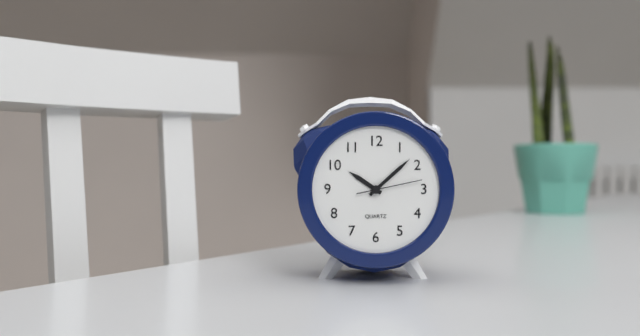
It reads 10 h 08 min 13 s
